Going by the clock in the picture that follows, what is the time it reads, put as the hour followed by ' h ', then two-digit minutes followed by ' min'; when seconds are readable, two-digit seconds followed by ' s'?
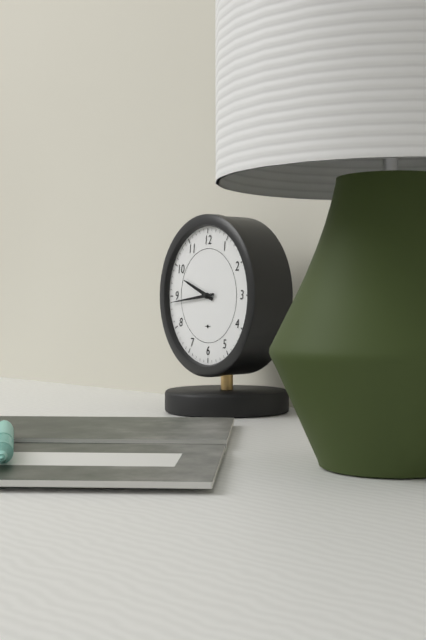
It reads 9 h 44 min
